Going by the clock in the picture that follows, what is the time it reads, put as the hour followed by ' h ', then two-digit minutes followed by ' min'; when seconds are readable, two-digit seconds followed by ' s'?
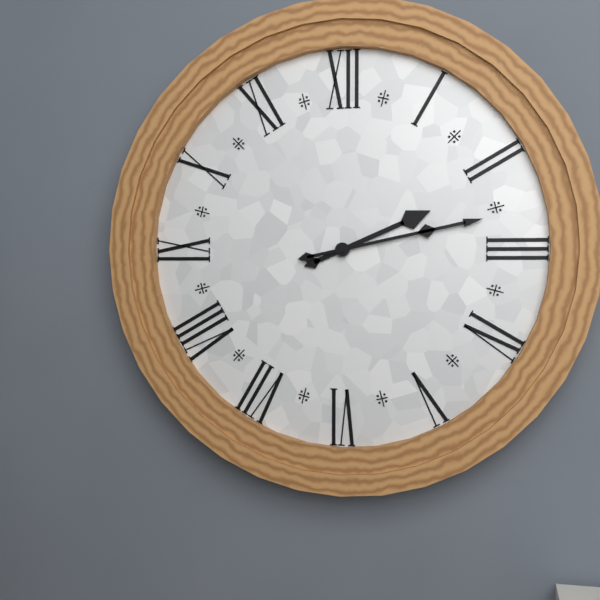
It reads 2 h 13 min
